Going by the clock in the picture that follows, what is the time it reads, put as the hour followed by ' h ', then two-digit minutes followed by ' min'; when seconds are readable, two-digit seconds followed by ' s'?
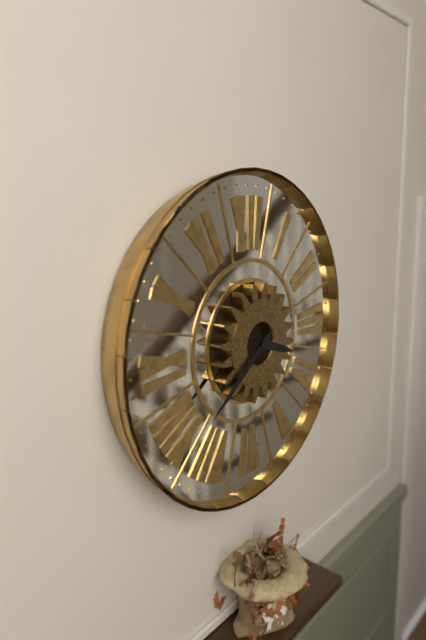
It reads 3 h 39 min
